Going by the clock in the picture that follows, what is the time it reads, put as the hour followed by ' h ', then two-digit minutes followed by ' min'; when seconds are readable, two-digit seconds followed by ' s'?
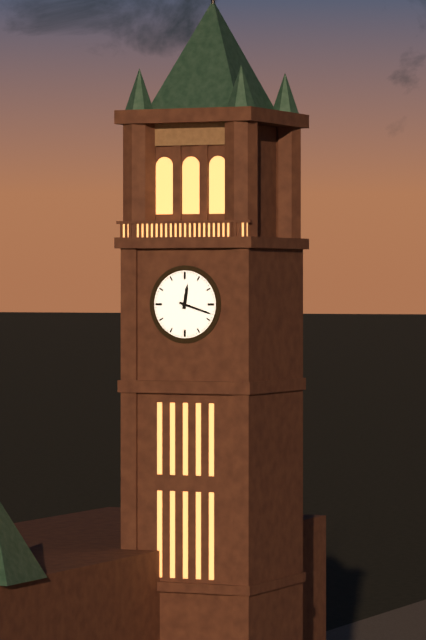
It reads 12 h 18 min
